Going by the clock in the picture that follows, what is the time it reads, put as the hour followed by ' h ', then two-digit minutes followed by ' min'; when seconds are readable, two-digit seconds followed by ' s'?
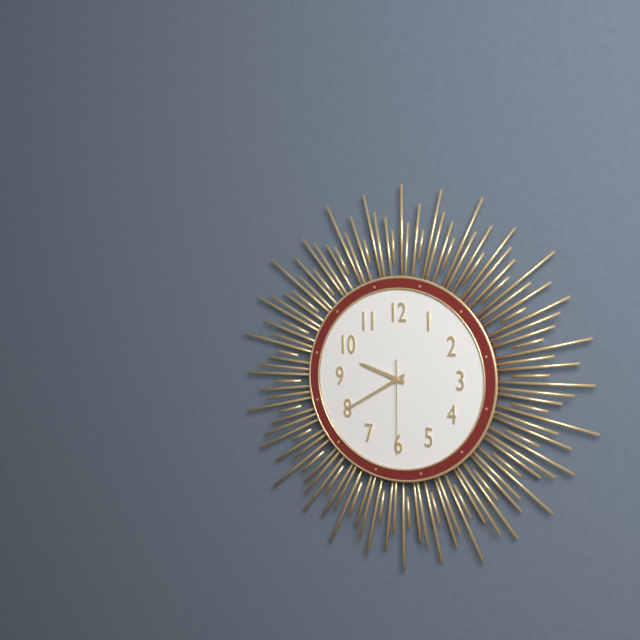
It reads 9 h 40 min 30 s
